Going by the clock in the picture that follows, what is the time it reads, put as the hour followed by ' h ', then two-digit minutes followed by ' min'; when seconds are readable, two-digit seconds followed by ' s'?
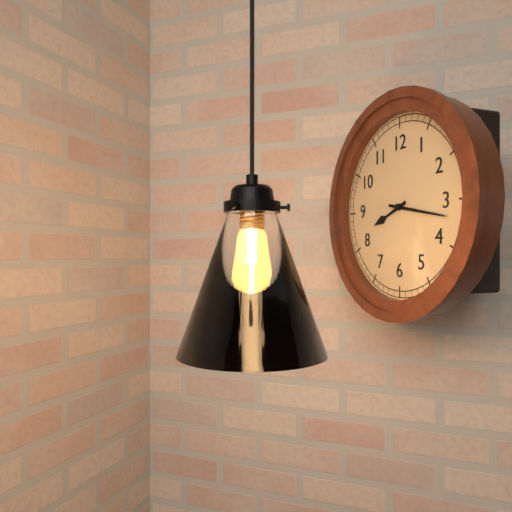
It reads 8 h 17 min
